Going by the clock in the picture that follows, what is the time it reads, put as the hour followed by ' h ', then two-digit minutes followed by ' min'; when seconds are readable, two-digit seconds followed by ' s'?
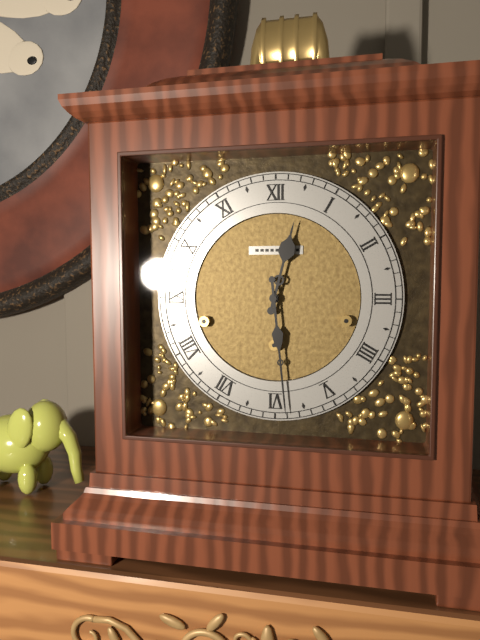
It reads 12 h 29 min
